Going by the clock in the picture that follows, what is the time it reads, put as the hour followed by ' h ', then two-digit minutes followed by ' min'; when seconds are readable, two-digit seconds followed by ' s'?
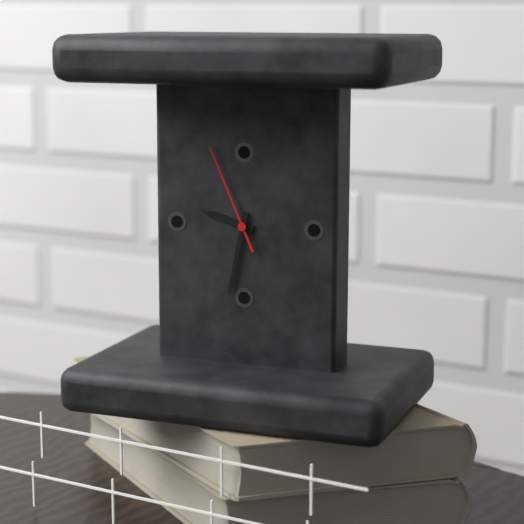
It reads 9 h 32 min 56 s
